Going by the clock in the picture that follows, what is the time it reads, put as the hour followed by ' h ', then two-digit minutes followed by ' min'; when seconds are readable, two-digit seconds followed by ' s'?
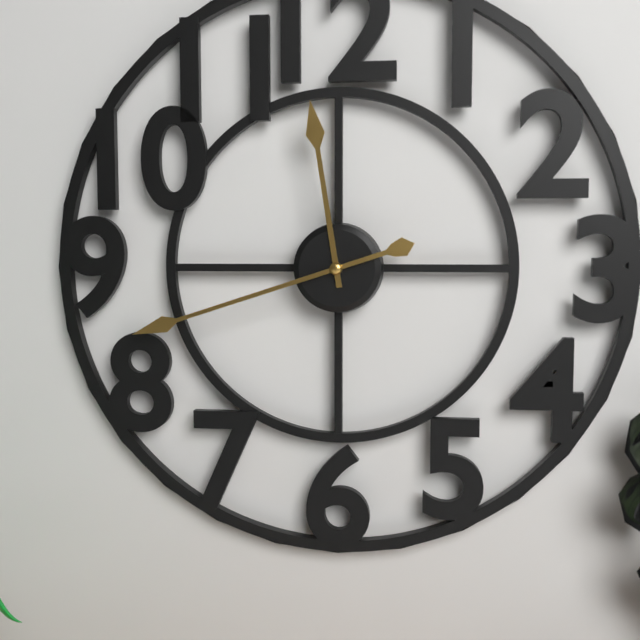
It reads 11 h 42 min
